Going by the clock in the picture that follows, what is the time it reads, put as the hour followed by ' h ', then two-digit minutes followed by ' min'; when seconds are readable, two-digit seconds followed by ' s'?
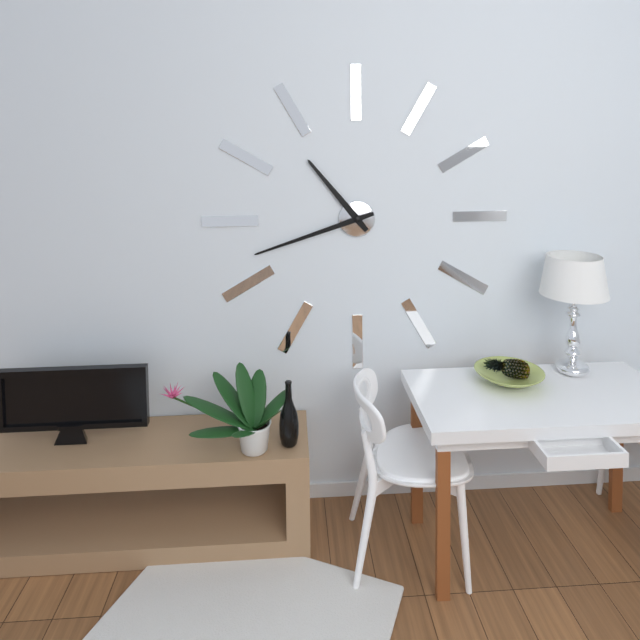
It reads 10 h 42 min
